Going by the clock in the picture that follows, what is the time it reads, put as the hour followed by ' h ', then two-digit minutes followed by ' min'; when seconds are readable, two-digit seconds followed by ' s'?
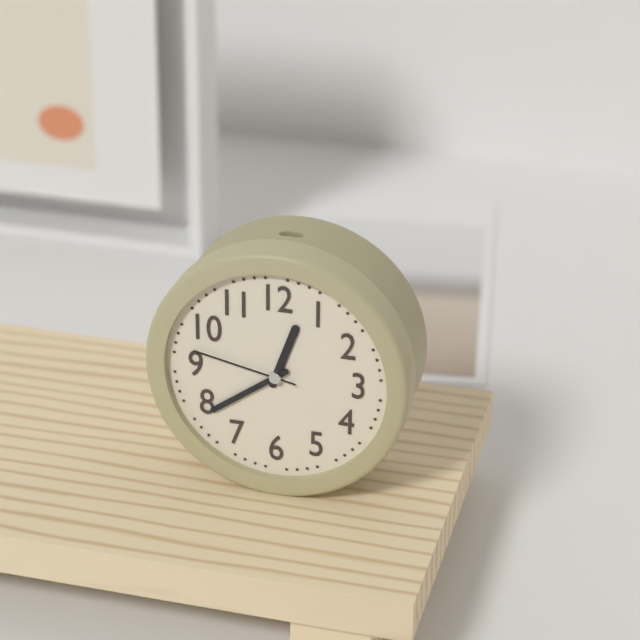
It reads 12 h 39 min 47 s
